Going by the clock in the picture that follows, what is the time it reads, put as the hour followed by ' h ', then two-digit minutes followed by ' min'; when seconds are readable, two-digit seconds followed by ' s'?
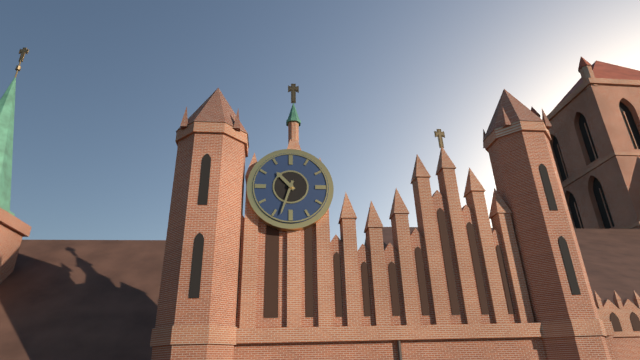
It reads 10 h 33 min
